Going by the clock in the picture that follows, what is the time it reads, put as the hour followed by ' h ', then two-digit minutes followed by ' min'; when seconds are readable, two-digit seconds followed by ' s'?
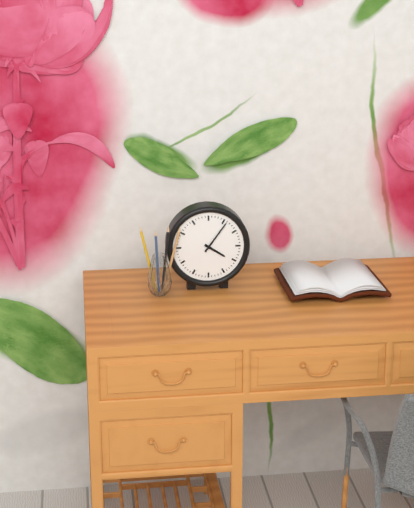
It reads 4 h 06 min
